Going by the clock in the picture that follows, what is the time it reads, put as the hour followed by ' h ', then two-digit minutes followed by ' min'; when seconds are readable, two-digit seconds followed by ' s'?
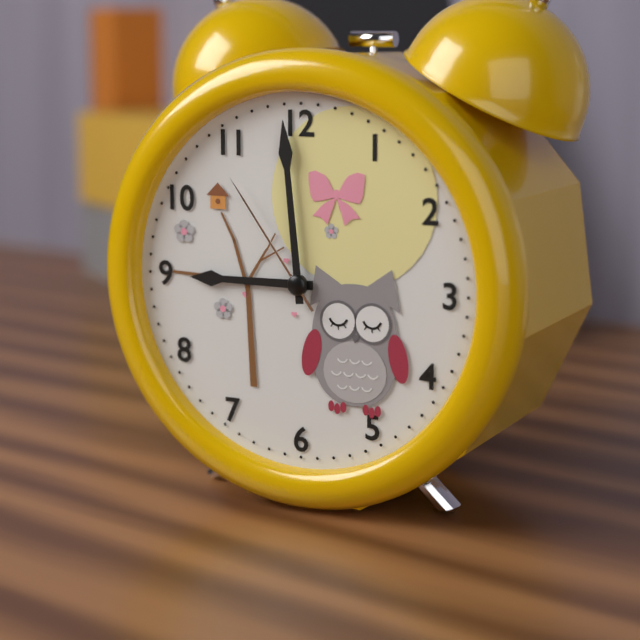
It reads 8 h 59 min 54 s
